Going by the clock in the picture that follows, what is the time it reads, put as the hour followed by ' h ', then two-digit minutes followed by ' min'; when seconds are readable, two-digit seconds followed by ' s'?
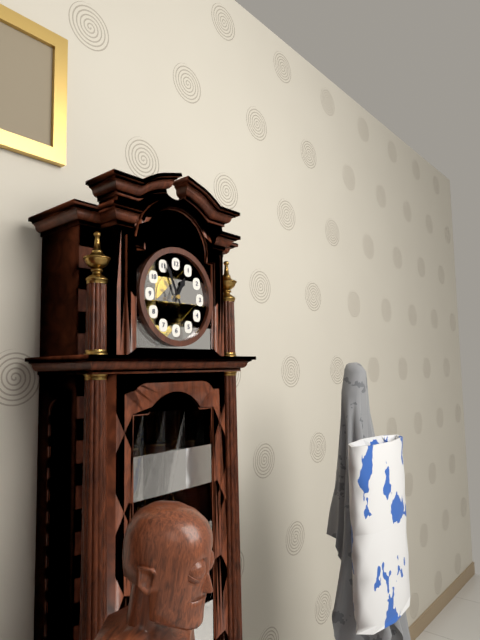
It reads 12 h 56 min
